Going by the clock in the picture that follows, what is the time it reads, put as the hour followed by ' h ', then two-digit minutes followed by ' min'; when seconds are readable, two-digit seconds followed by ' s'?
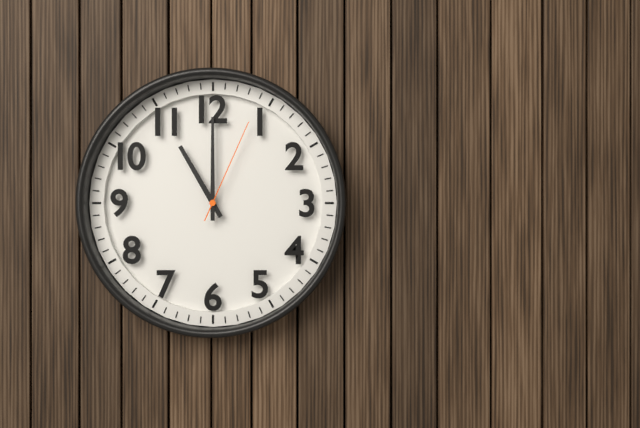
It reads 11 h 00 min 04 s
